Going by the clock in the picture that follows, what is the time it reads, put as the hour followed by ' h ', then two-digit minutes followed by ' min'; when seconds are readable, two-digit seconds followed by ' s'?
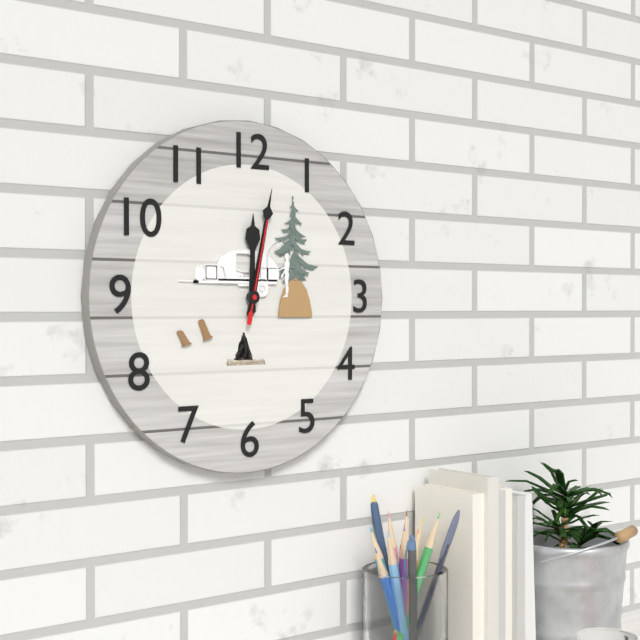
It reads 12 h 02 min 02 s
